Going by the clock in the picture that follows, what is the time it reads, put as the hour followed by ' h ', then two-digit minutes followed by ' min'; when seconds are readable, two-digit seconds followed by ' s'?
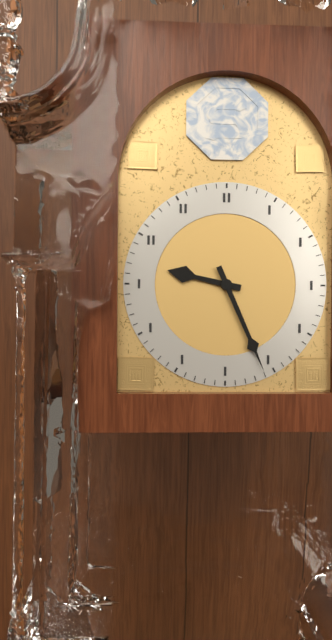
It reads 9 h 26 min
